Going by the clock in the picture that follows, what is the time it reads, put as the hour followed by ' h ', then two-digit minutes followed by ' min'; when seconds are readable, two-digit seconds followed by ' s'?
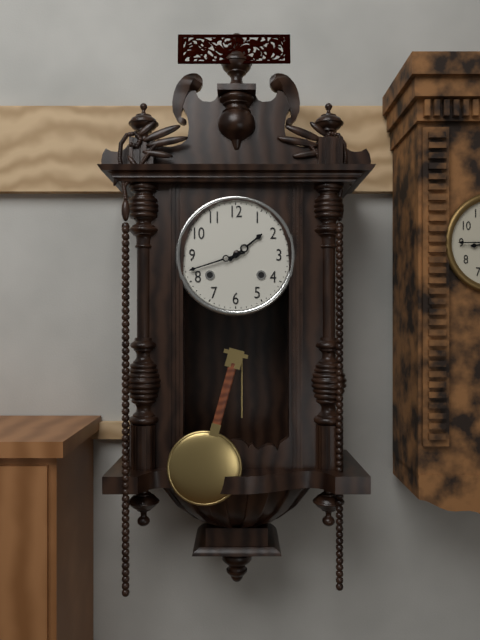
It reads 1 h 42 min
